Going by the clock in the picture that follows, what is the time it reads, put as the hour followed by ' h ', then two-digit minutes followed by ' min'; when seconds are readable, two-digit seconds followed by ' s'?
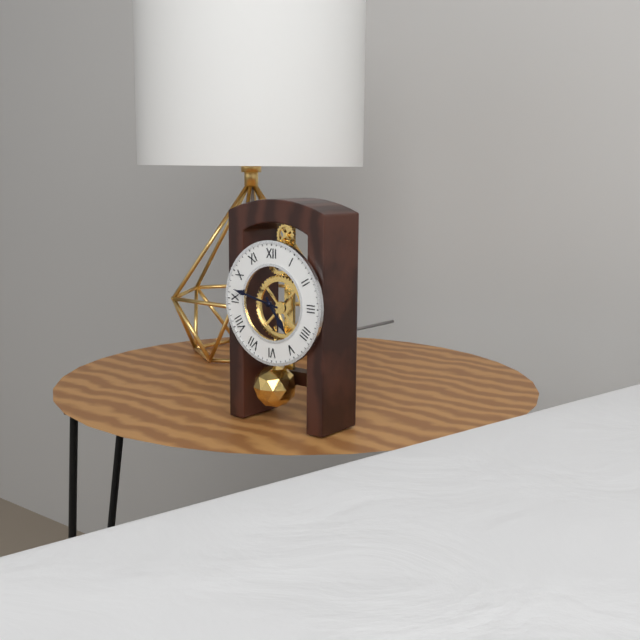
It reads 4 h 47 min
